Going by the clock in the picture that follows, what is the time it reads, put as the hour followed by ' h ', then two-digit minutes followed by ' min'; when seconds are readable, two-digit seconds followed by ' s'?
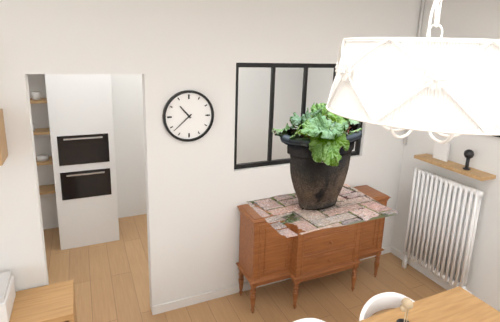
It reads 10 h 38 min
